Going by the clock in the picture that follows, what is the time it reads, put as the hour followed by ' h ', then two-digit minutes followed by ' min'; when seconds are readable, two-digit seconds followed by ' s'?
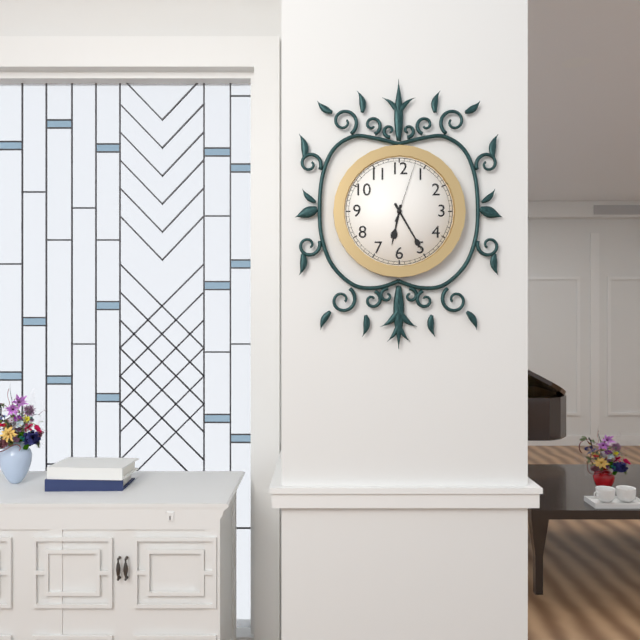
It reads 6 h 25 min 03 s
